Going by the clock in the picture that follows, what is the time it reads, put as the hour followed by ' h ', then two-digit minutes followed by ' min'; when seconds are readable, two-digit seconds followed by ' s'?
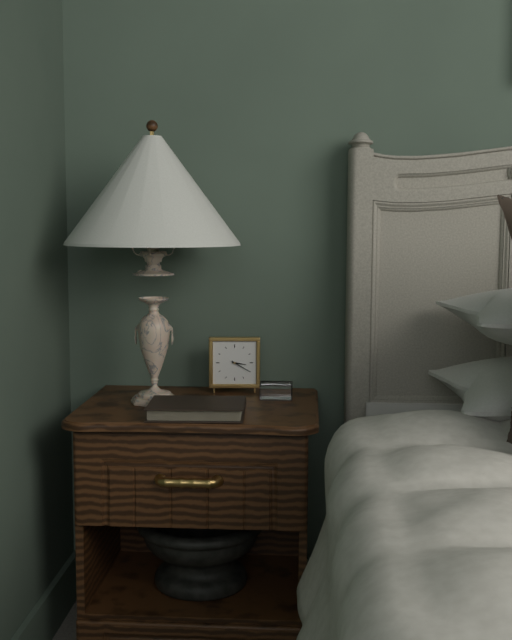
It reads 3 h 20 min
